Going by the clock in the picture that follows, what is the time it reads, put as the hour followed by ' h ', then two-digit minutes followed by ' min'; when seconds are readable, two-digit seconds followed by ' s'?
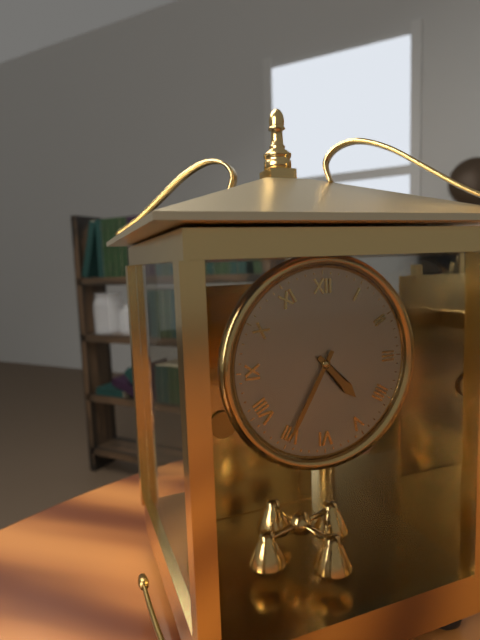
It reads 4 h 35 min
